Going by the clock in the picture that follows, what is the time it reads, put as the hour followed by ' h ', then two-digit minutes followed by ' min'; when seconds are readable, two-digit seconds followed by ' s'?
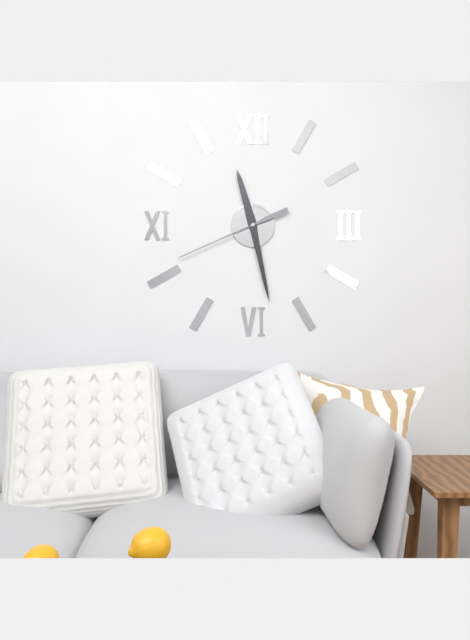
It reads 11 h 28 min 41 s
